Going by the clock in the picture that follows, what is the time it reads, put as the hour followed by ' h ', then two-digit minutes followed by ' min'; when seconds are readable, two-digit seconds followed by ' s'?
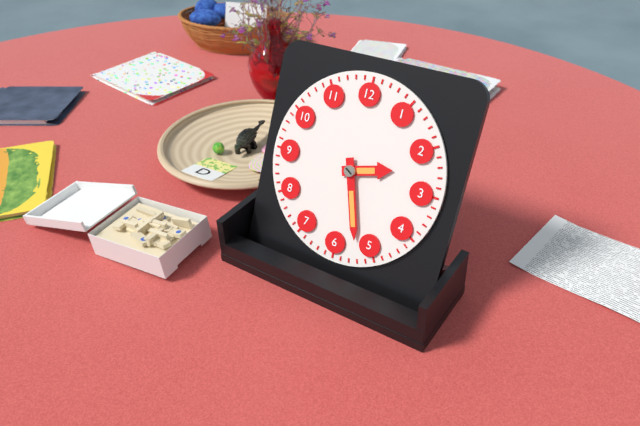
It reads 2 h 27 min
